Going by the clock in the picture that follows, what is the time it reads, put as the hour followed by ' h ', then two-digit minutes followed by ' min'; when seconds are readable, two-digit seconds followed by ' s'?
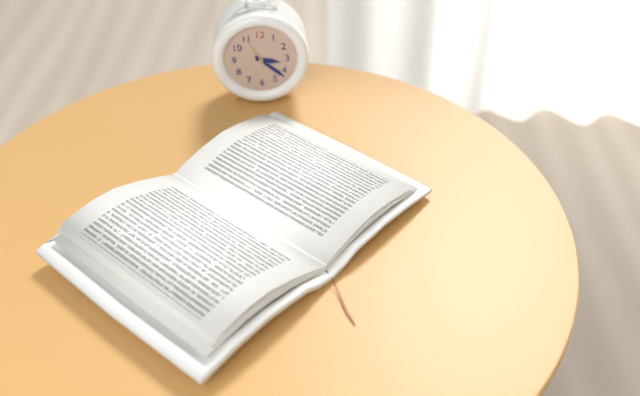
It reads 3 h 22 min
